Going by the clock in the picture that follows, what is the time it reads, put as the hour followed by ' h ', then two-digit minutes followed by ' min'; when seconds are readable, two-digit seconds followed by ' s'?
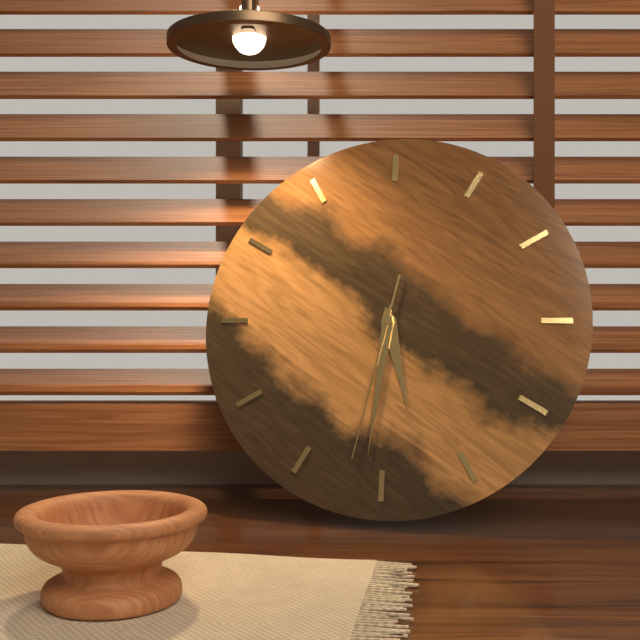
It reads 5 h 31 min 32 s
